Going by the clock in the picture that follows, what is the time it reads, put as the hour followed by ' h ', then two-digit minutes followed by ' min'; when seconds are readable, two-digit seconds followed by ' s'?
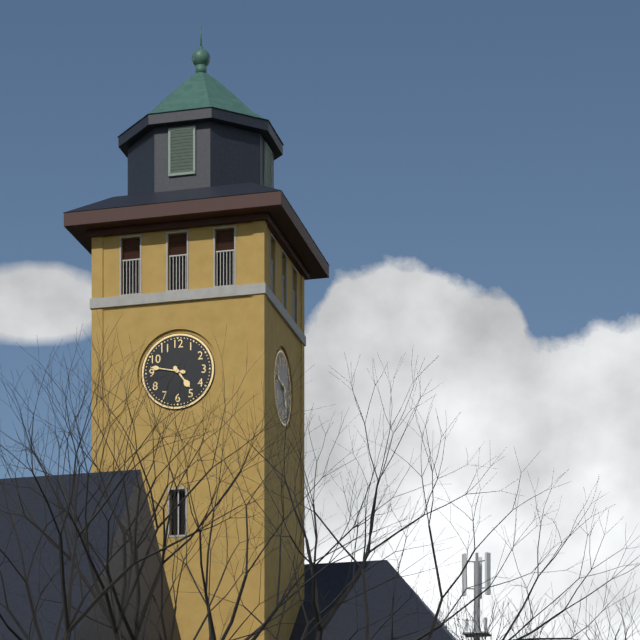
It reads 4 h 47 min
